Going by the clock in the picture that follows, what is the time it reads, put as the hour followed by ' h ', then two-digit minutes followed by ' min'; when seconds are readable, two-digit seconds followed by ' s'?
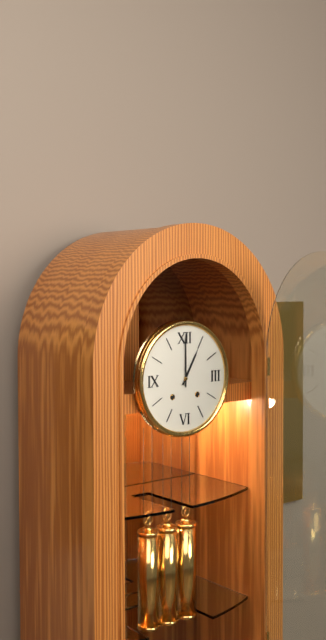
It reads 1 h 00 min
